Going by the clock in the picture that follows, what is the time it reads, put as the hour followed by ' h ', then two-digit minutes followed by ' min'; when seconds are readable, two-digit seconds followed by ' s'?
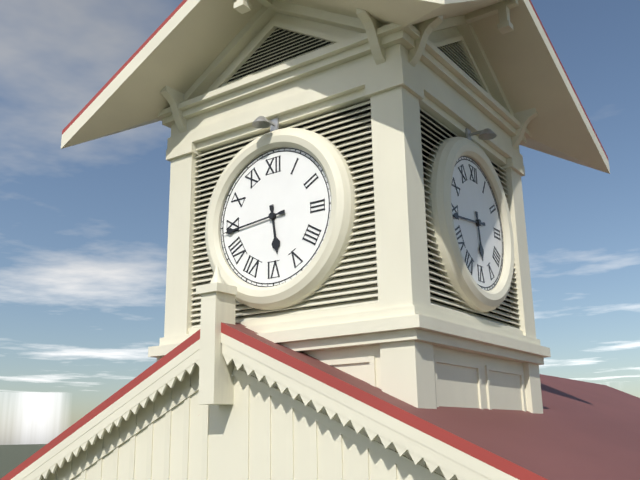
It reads 5 h 44 min
